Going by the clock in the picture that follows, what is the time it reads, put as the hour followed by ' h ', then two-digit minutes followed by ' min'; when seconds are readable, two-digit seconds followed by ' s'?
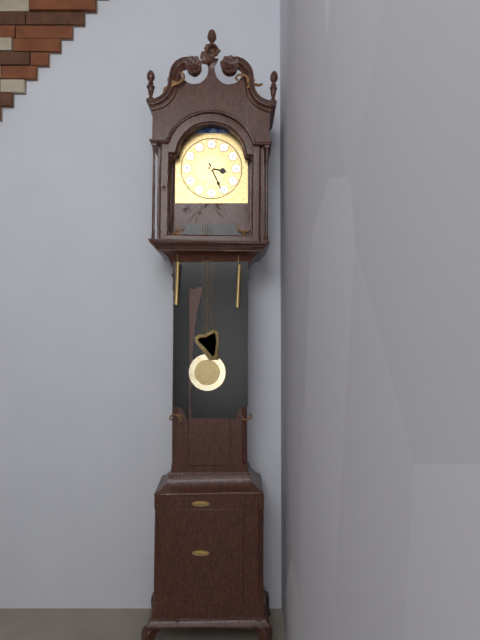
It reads 3 h 26 min
